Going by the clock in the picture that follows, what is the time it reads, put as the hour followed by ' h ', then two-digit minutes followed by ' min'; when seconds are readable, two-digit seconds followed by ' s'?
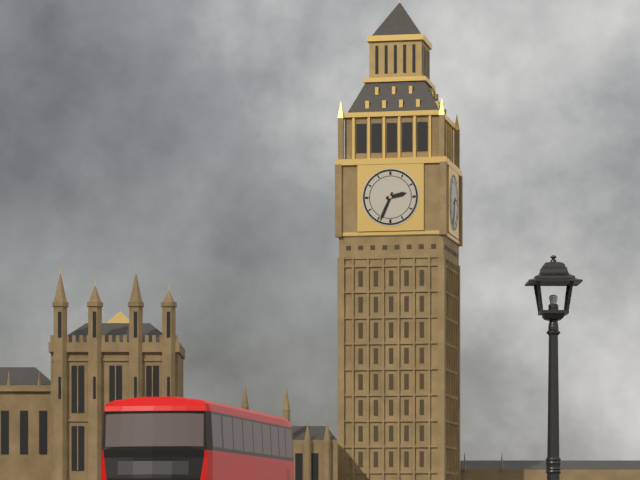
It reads 2 h 34 min
